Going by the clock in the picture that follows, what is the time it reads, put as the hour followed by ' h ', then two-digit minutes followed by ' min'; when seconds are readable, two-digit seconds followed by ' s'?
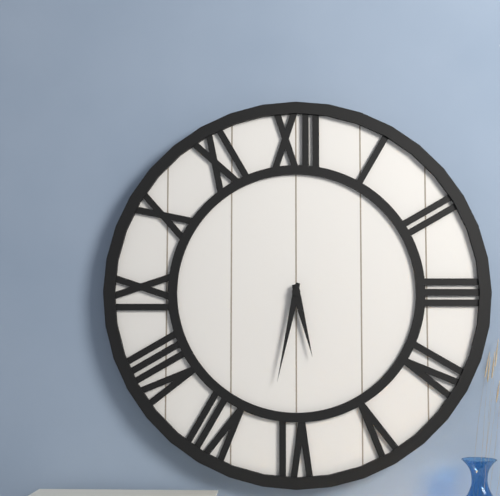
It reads 5 h 32 min
